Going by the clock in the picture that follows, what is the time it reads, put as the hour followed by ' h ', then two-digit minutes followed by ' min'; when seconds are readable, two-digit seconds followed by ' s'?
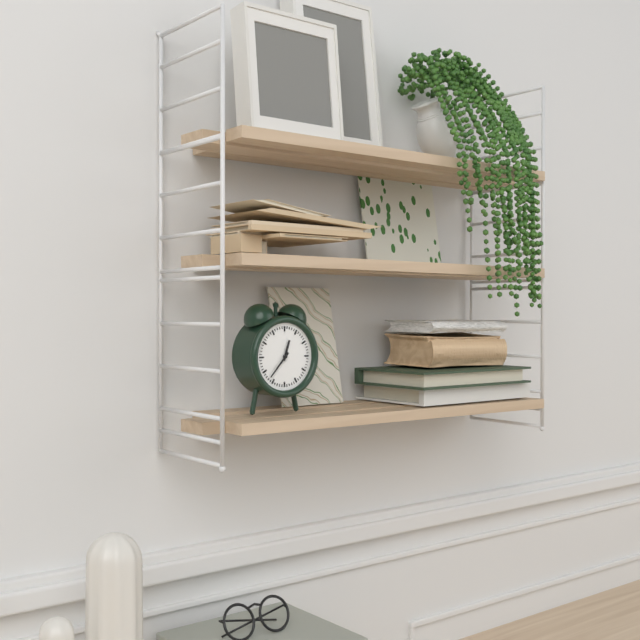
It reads 12 h 37 min
